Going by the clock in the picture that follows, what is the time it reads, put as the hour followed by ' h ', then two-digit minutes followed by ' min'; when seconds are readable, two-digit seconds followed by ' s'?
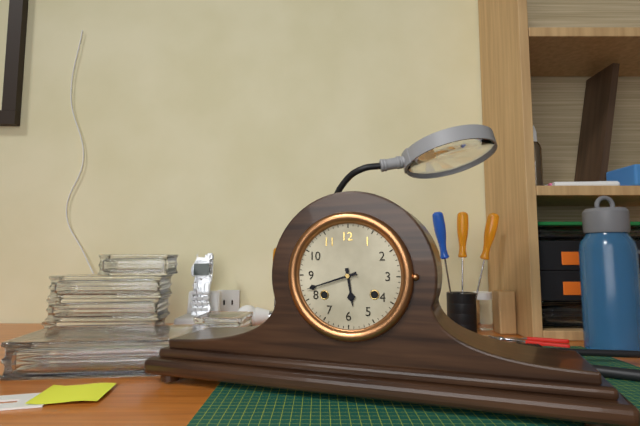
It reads 5 h 42 min
